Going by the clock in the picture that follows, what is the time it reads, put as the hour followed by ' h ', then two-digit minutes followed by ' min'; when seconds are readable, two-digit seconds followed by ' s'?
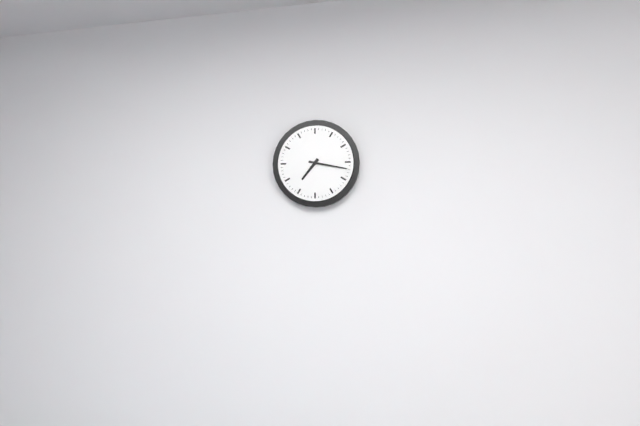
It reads 7 h 17 min
